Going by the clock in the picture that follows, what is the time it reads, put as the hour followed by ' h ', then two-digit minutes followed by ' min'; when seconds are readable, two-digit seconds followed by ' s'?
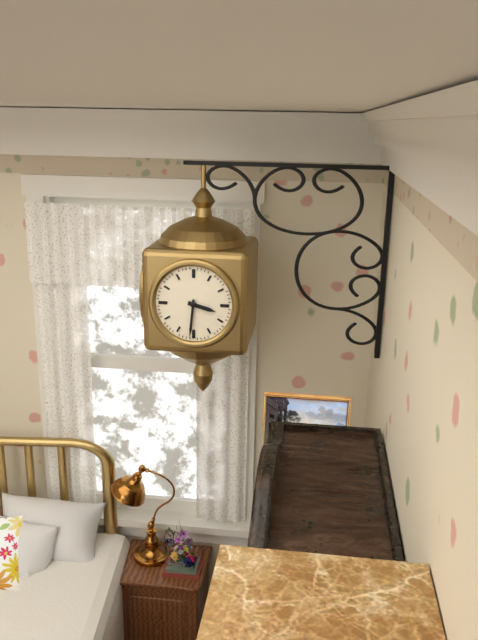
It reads 3 h 31 min
